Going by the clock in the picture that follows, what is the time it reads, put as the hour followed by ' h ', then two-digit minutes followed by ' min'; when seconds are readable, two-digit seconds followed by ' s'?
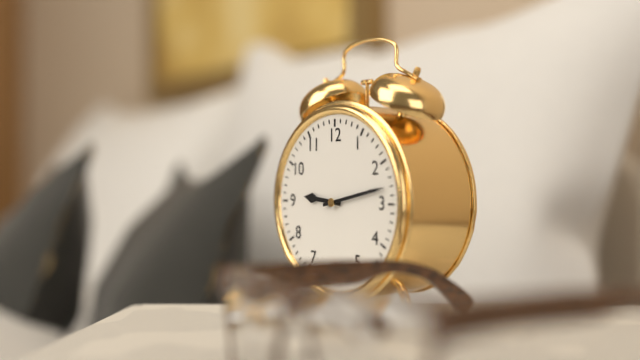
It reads 9 h 13 min
